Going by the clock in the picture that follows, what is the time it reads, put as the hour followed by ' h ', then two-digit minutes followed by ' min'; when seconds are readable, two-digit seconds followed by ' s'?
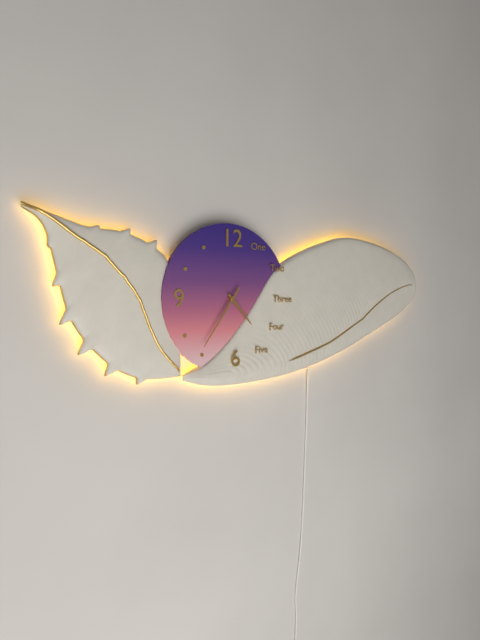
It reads 4 h 36 min
